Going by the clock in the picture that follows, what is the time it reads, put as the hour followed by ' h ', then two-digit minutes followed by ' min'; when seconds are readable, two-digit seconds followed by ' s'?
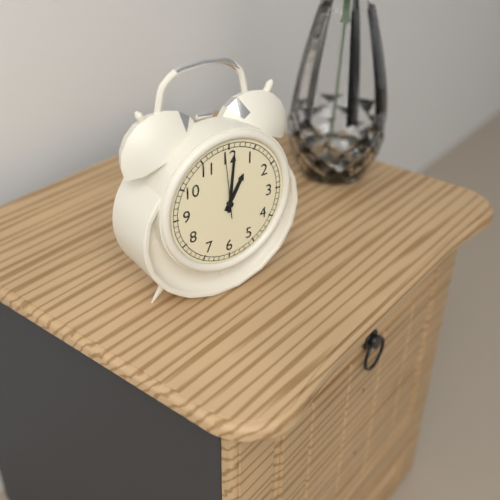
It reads 1 h 01 min 59 s
